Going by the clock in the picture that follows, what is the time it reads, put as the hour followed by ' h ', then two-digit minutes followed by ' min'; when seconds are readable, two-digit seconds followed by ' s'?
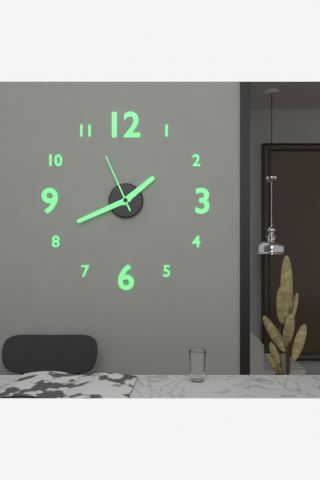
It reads 1 h 41 min 56 s
